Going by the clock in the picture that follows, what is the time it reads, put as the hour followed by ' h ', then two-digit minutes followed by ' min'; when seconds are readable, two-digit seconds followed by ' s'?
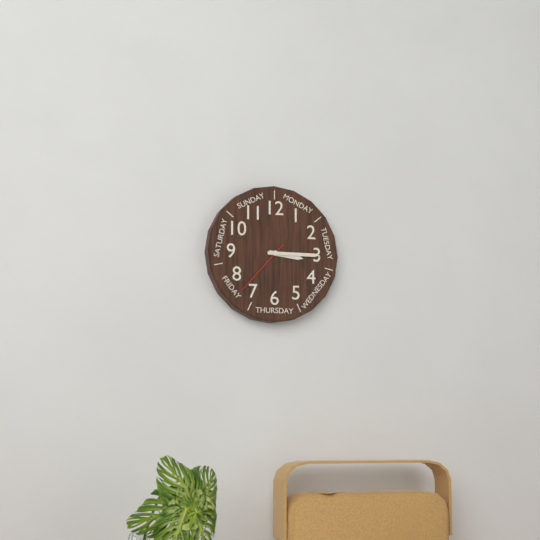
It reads 3 h 15 min 37 s
